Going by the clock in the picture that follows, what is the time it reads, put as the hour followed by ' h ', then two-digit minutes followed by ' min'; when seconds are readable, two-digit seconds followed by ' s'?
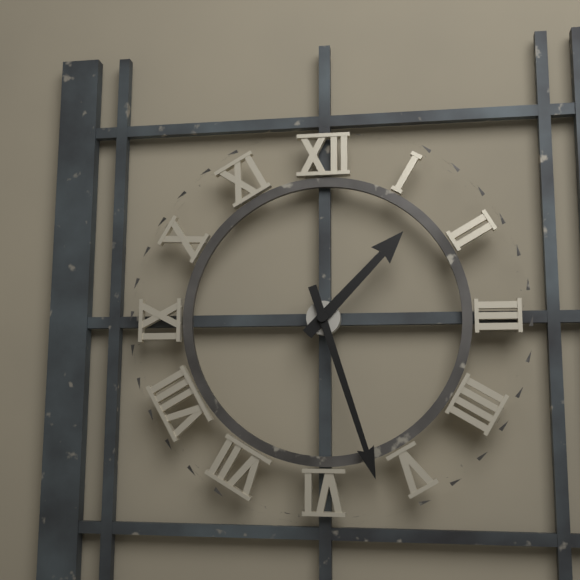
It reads 1 h 27 min
